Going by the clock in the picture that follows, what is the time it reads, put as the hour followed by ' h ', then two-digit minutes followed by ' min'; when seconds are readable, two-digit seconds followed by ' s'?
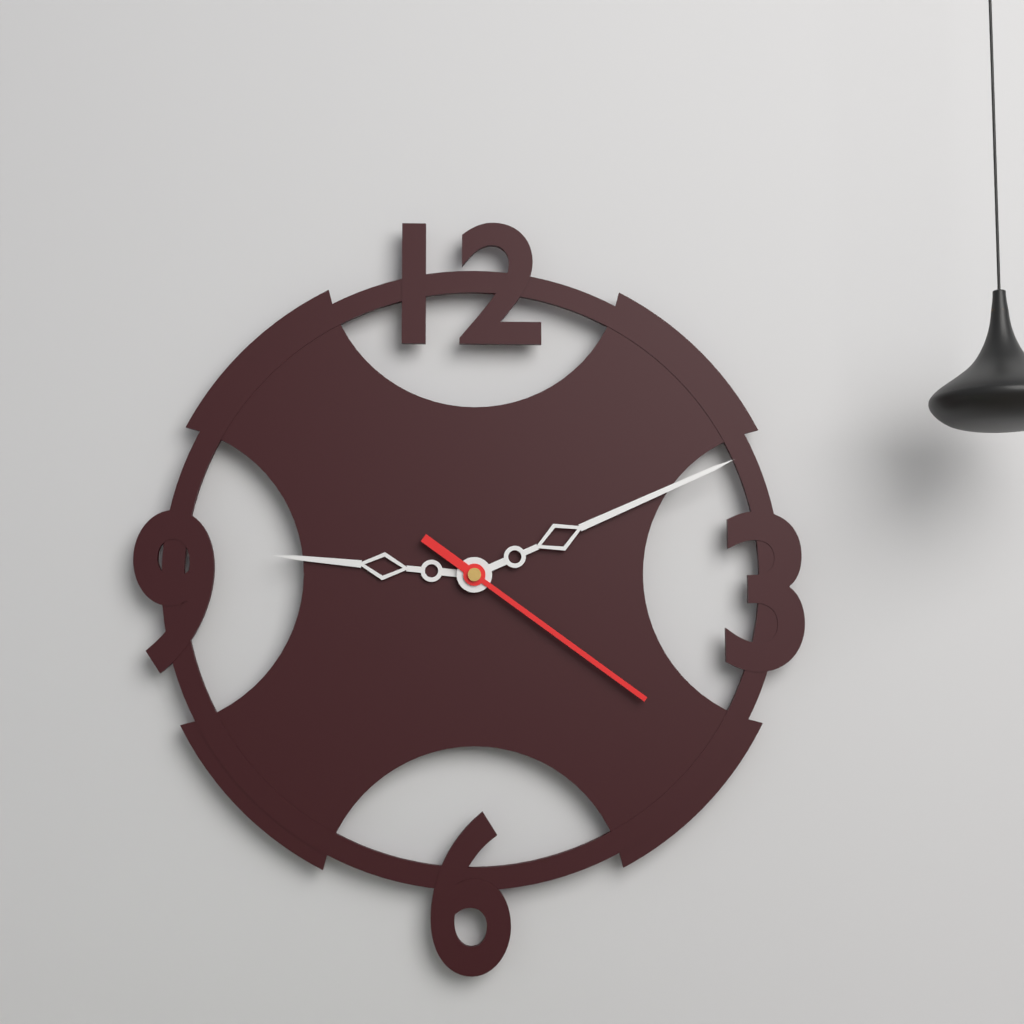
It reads 9 h 11 min 21 s
